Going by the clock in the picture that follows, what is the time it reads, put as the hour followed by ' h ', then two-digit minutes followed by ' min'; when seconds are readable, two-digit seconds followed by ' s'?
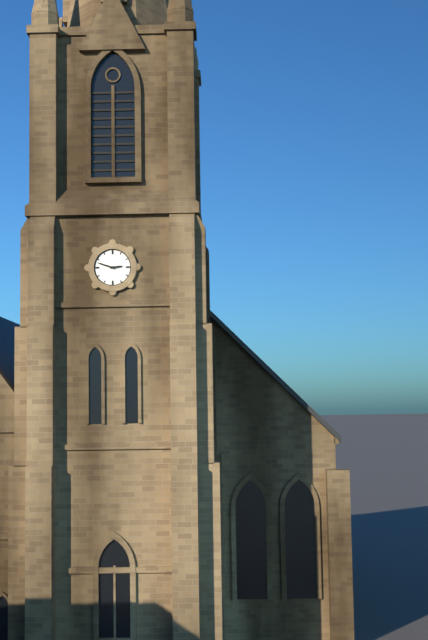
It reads 2 h 48 min
